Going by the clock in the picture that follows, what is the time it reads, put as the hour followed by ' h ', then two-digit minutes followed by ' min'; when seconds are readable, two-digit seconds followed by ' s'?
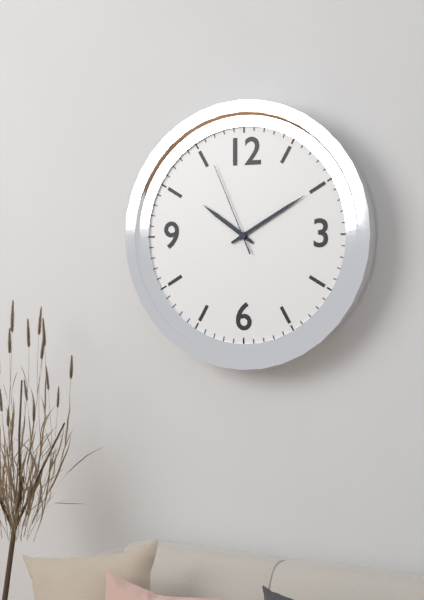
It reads 10 h 10 min 56 s
